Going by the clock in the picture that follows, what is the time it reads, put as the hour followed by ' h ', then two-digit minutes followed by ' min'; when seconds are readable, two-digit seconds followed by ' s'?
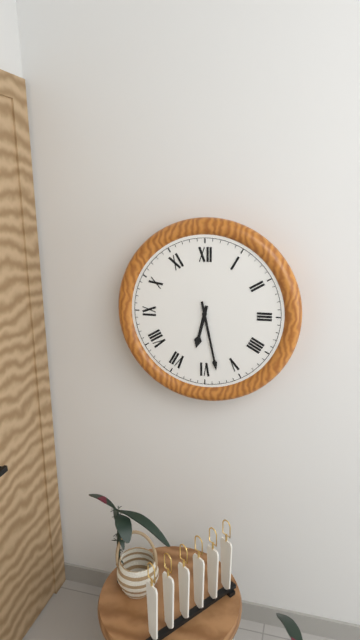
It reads 6 h 28 min
